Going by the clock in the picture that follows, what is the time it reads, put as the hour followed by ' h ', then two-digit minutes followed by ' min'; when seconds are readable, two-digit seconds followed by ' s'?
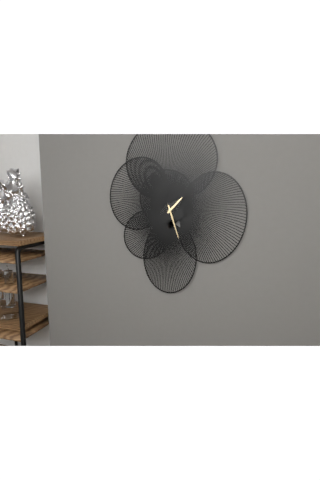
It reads 1 h 27 min
